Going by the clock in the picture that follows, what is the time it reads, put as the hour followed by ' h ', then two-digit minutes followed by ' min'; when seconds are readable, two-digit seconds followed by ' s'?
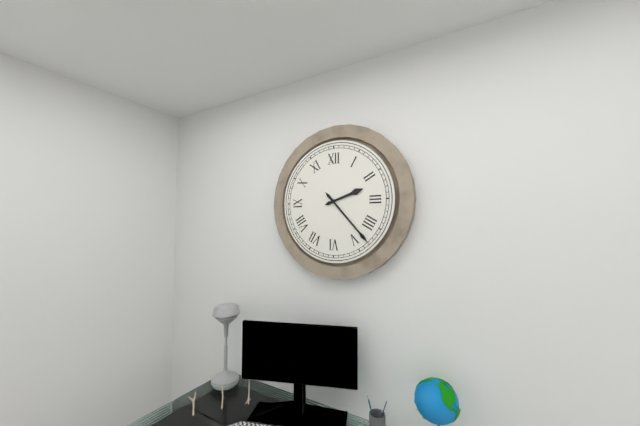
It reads 2 h 23 min
